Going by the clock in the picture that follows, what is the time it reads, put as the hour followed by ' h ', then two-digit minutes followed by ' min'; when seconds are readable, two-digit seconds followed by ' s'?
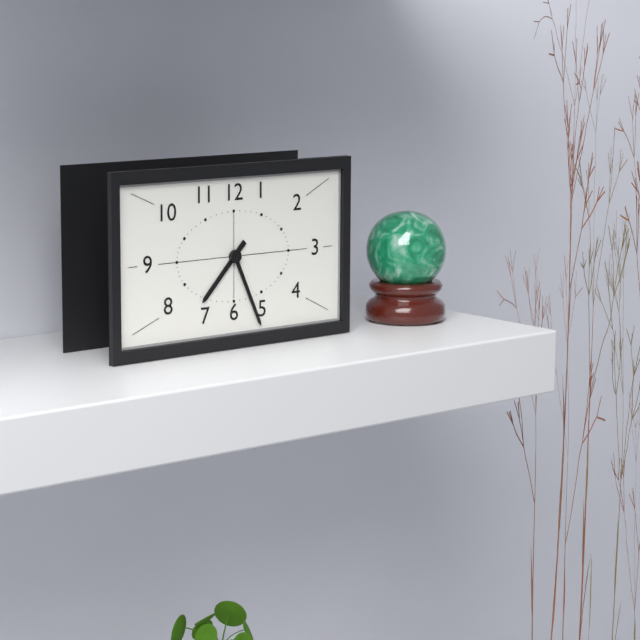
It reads 7 h 26 min
